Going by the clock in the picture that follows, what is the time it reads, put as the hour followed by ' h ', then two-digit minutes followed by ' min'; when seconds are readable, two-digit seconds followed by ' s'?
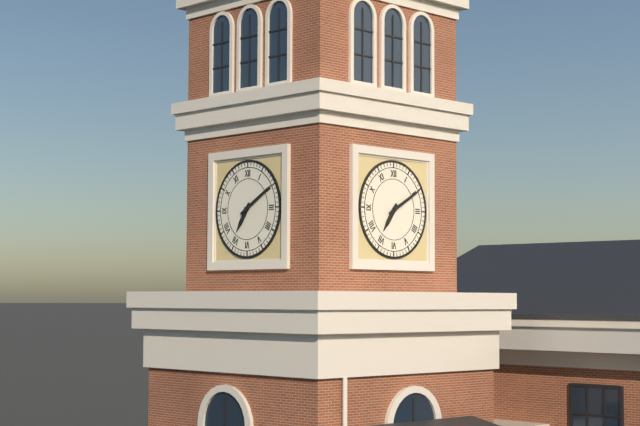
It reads 7 h 10 min
